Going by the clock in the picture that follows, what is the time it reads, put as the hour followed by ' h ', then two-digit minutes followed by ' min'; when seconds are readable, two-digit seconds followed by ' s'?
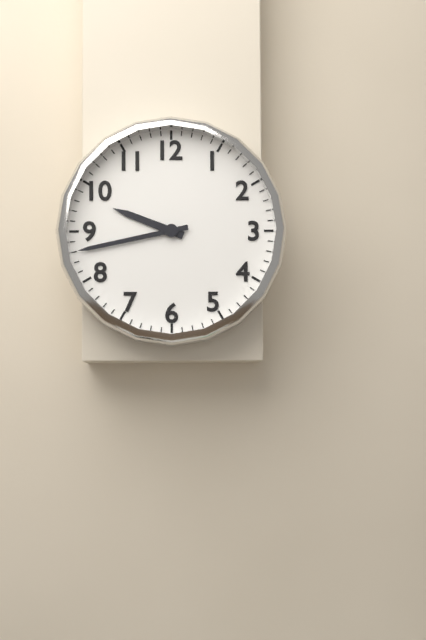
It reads 9 h 43 min
